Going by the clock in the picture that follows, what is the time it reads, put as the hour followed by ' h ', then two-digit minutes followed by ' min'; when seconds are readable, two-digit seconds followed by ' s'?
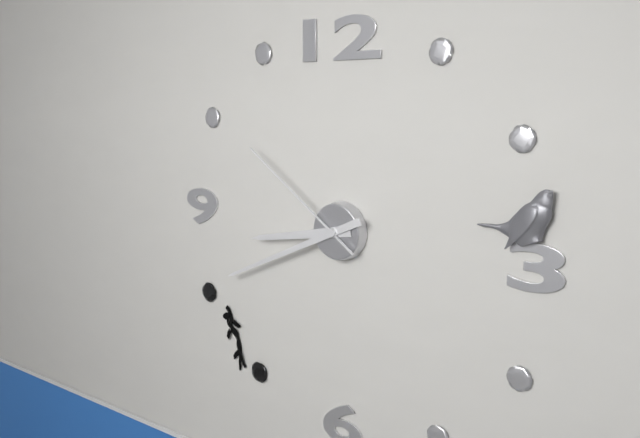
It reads 8 h 41 min 51 s
